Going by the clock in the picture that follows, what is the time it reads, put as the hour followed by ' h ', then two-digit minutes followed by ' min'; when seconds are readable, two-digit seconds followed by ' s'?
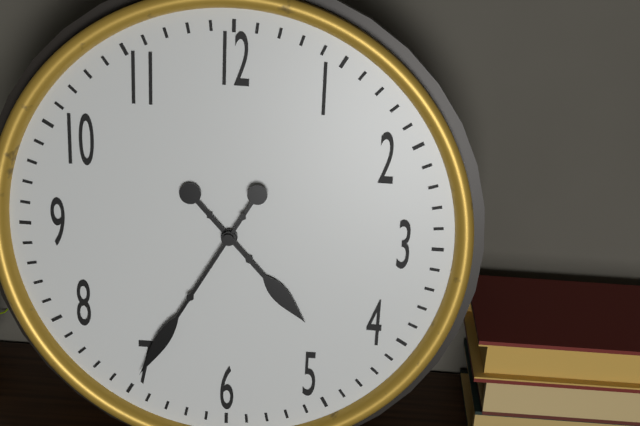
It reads 4 h 35 min
